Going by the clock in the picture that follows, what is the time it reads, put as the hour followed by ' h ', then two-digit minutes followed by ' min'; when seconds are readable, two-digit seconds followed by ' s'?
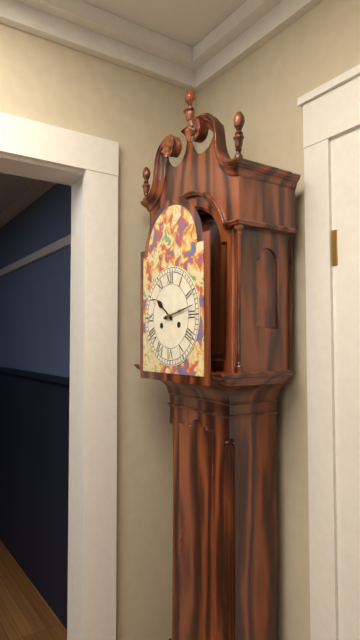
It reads 10 h 13 min
